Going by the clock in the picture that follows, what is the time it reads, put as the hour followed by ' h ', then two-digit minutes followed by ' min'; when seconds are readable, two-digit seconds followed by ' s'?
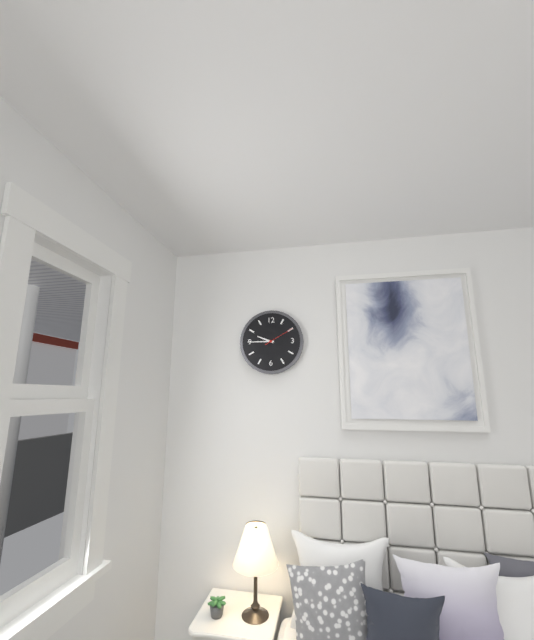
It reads 9 h 45 min
